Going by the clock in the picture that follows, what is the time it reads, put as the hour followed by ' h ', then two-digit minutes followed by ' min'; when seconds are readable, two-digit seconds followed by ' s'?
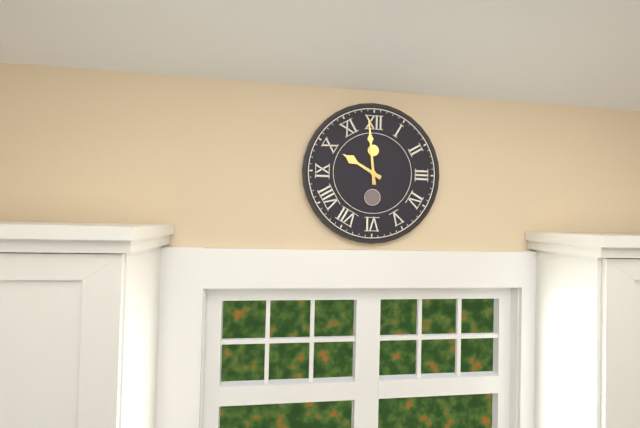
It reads 9 h 59 min
